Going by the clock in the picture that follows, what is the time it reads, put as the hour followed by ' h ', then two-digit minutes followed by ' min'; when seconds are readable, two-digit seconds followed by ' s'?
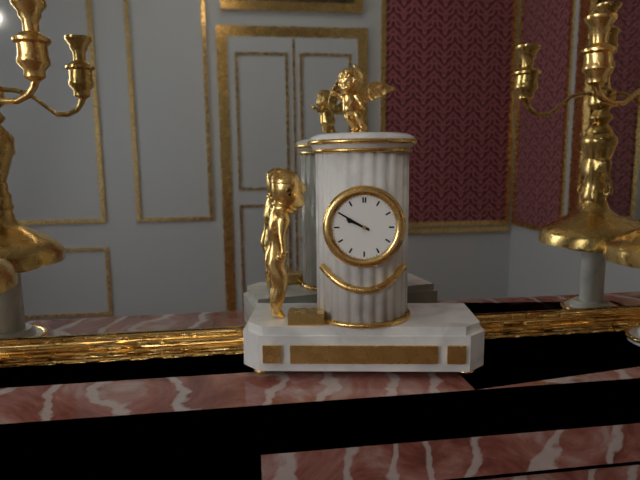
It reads 9 h 50 min
